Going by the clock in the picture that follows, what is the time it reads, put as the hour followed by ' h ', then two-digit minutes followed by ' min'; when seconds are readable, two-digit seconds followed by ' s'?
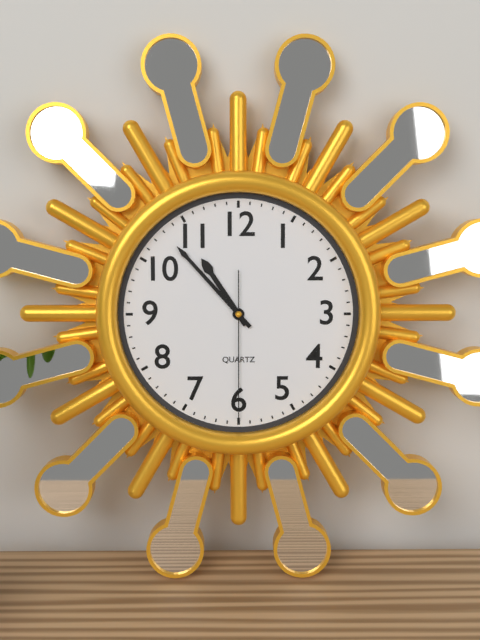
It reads 10 h 53 min 30 s
